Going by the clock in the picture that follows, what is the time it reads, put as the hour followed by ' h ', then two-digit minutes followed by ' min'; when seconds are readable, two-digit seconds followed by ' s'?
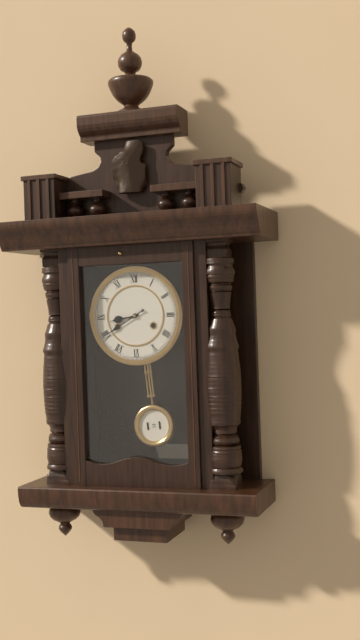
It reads 8 h 40 min
